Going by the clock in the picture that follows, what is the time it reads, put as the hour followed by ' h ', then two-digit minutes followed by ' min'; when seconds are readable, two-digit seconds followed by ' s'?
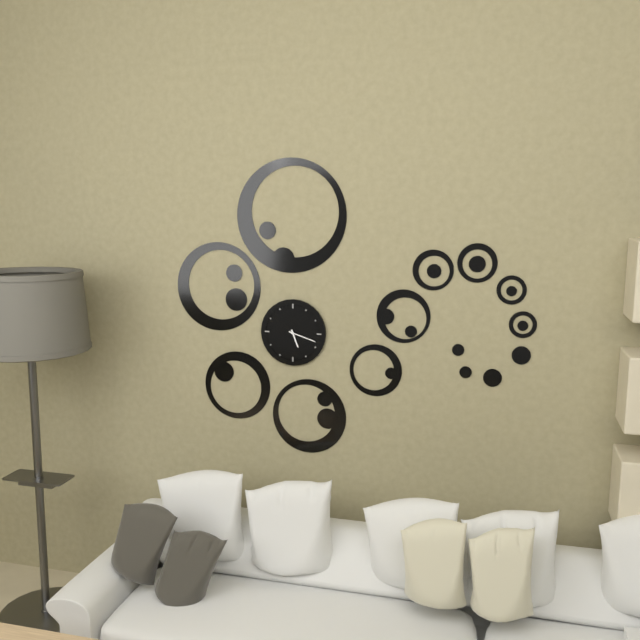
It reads 5 h 18 min
